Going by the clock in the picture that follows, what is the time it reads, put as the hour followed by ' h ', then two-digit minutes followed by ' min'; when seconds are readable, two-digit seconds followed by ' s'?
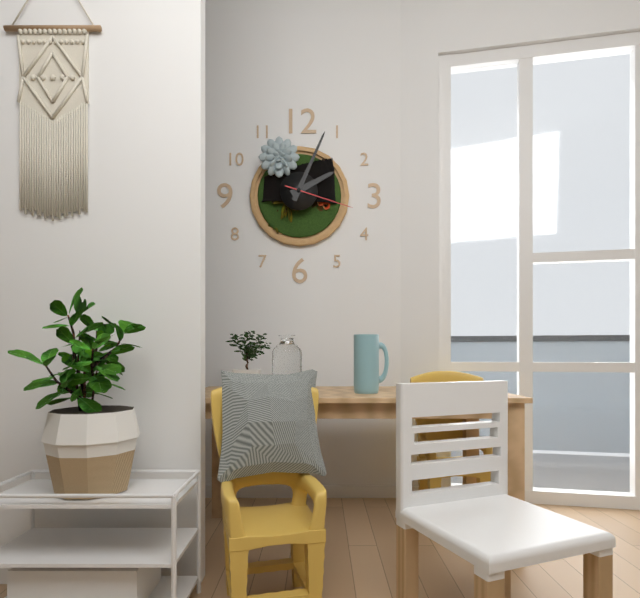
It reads 2 h 04 min 18 s
